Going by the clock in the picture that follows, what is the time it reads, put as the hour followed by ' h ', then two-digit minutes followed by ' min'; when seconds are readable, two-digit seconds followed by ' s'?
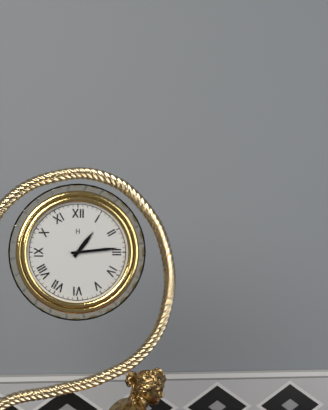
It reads 1 h 14 min
